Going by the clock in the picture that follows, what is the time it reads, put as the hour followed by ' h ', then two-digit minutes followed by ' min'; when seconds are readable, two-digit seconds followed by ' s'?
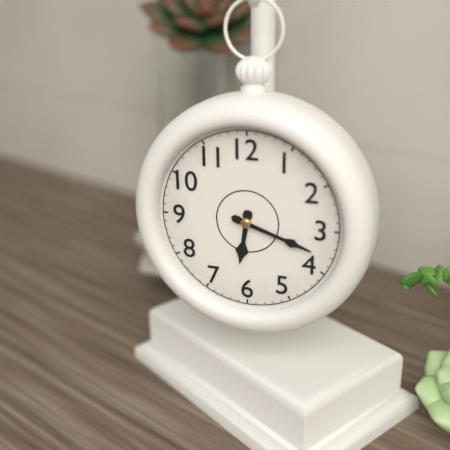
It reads 6 h 18 min
